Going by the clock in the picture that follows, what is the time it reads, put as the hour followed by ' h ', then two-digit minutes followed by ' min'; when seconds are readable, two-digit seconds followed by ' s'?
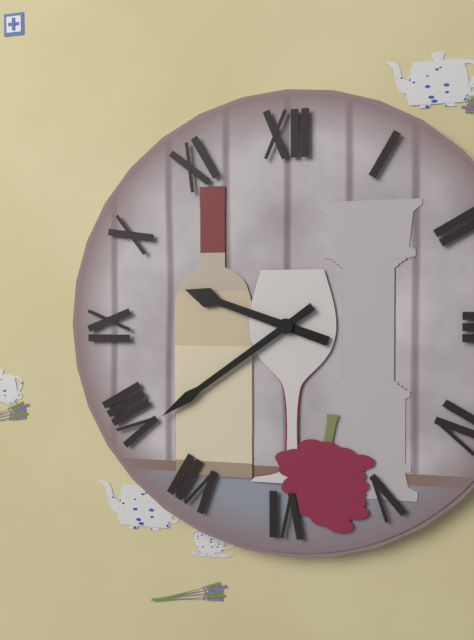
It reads 9 h 39 min
